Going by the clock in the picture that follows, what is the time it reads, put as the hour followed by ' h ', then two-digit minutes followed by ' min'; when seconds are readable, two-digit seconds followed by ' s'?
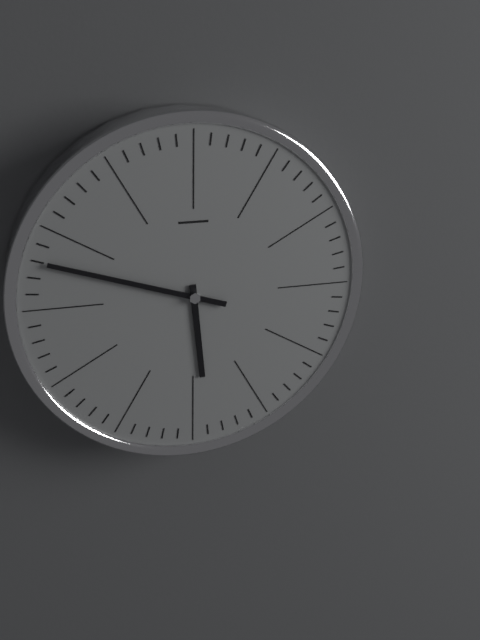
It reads 5 h 48 min
